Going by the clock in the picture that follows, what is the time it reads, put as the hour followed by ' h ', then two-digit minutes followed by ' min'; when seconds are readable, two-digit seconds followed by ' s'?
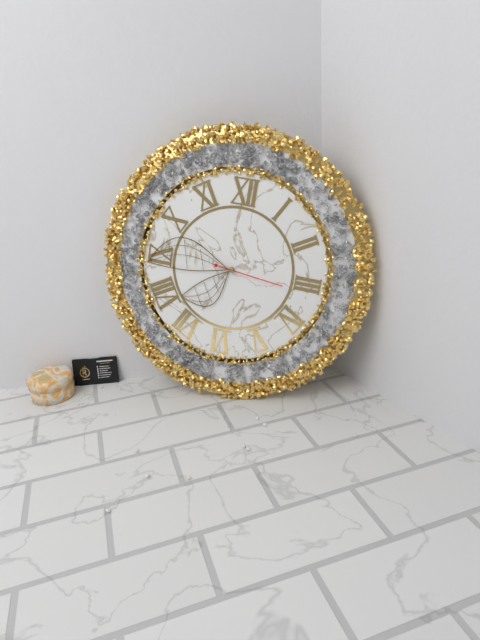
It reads 7 h 44 min 16 s
